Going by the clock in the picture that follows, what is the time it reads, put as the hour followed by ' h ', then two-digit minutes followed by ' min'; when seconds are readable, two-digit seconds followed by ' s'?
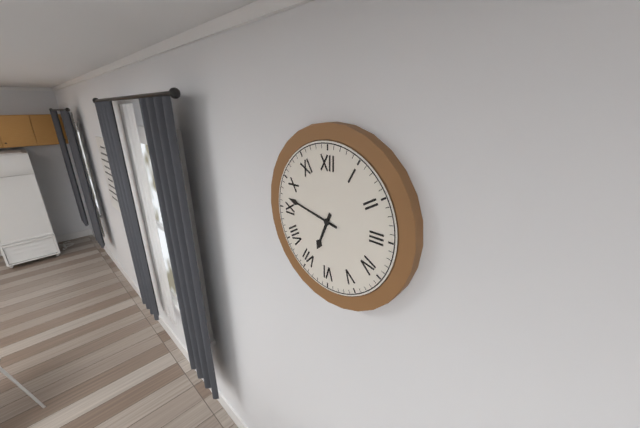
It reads 6 h 47 min
